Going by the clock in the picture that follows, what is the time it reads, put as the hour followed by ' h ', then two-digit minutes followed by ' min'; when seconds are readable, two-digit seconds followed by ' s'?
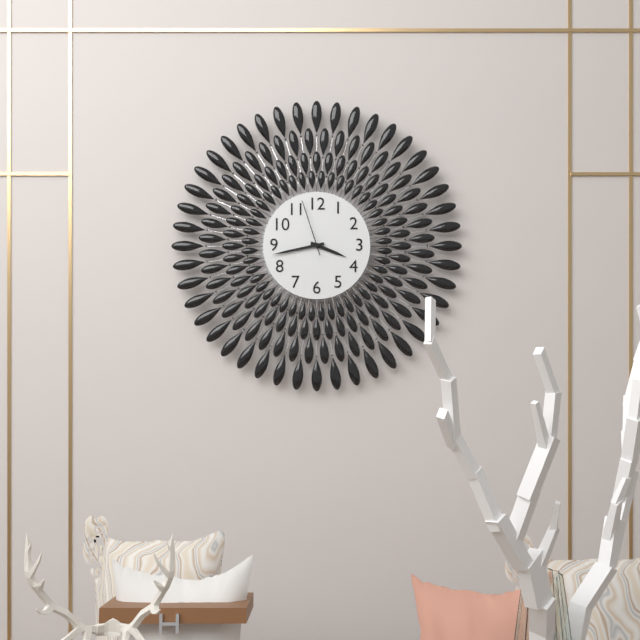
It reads 3 h 43 min 57 s
